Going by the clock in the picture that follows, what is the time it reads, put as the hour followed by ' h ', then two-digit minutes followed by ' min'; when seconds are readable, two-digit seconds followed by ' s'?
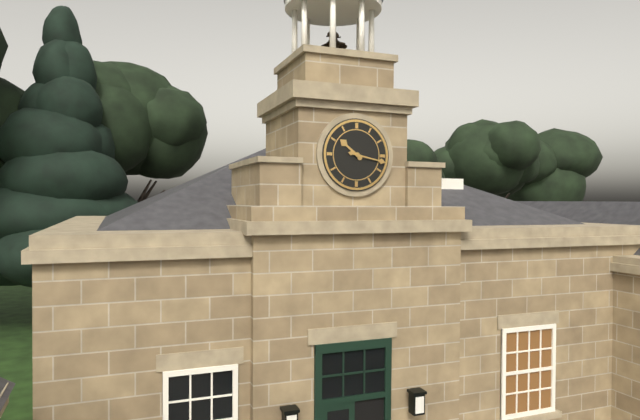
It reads 10 h 17 min
